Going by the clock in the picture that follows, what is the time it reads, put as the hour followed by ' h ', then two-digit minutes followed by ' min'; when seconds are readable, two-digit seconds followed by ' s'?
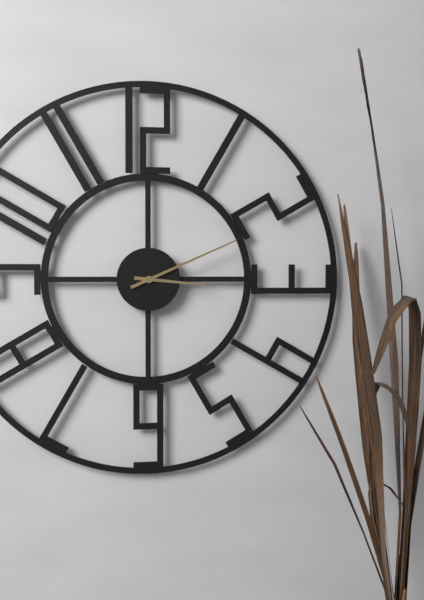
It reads 3 h 11 min
